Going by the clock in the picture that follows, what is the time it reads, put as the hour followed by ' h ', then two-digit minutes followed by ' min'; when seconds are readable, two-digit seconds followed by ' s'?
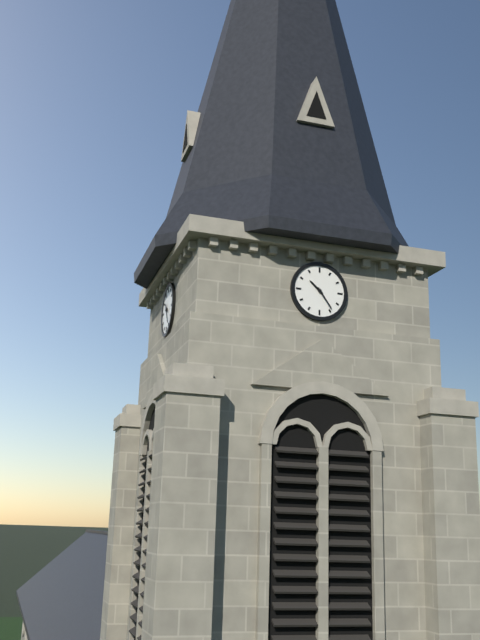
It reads 10 h 24 min
